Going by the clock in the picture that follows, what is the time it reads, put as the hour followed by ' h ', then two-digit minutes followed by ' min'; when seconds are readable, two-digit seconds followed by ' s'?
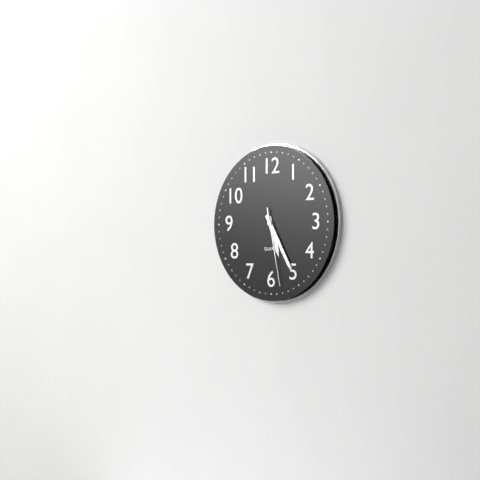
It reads 5 h 25 min 28 s
